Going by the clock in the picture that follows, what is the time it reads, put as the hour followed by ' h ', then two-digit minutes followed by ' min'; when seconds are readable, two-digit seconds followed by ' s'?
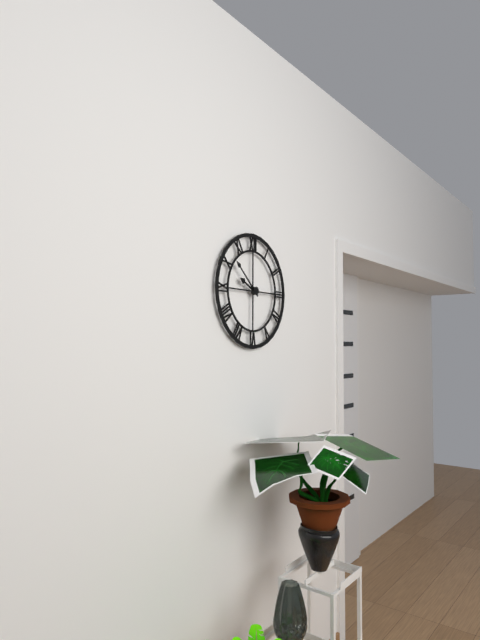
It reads 9 h 52 min
